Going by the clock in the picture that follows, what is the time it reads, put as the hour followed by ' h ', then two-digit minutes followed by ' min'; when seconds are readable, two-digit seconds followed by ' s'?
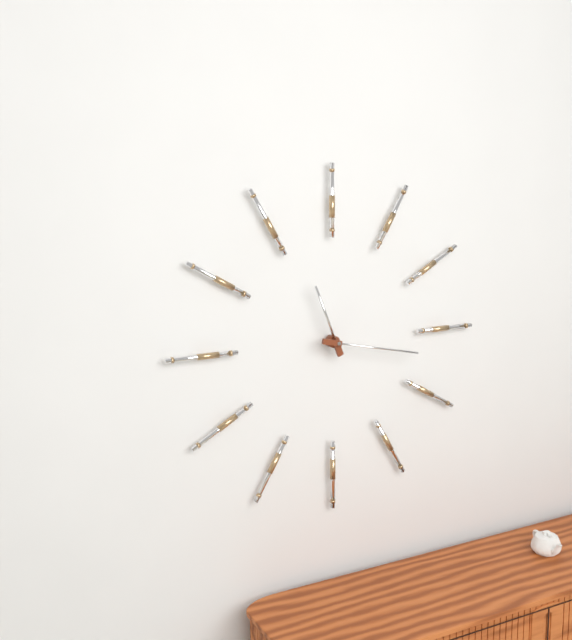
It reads 11 h 17 min
